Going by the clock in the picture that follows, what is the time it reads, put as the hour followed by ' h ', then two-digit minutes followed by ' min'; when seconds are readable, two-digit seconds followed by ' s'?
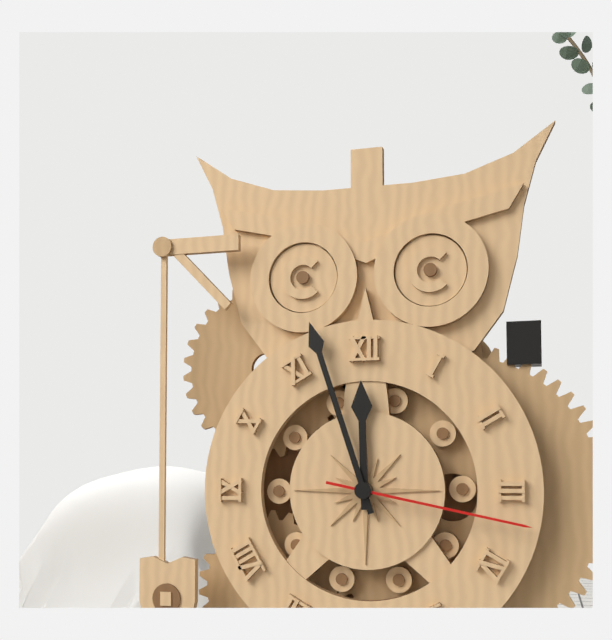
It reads 11 h 57 min 17 s
